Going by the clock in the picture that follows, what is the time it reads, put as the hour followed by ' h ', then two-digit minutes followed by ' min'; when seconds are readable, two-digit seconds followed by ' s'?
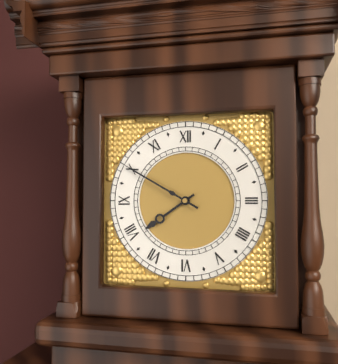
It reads 7 h 50 min
